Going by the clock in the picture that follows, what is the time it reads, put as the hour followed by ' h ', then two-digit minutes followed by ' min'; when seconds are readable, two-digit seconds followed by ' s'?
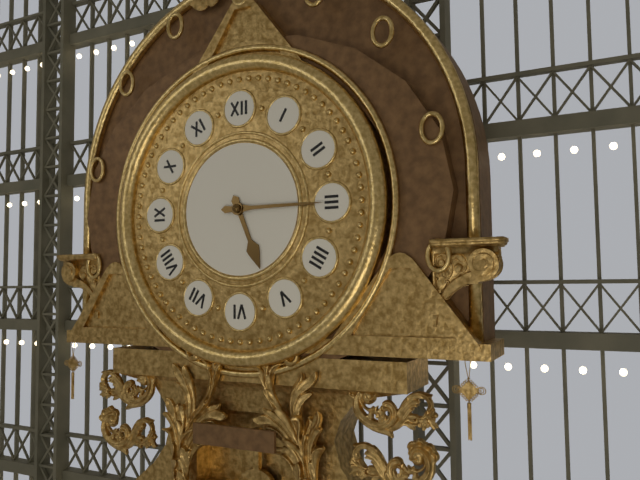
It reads 5 h 15 min
